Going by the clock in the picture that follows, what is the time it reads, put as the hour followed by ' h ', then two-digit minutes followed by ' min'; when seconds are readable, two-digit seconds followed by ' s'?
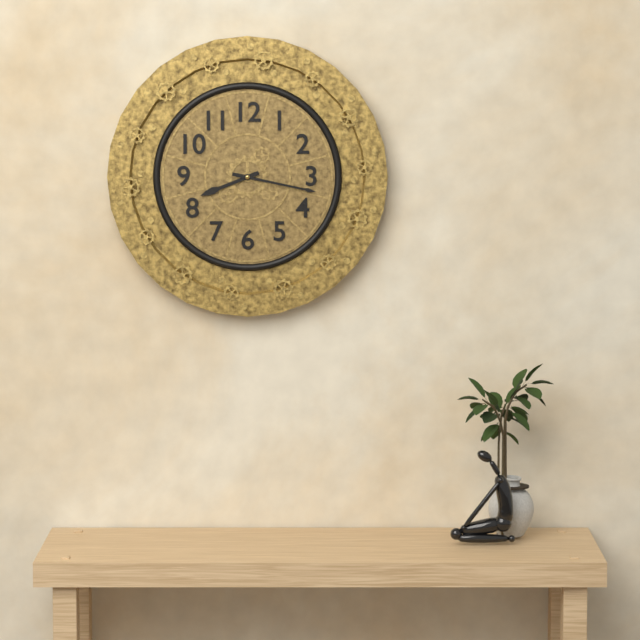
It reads 8 h 17 min
